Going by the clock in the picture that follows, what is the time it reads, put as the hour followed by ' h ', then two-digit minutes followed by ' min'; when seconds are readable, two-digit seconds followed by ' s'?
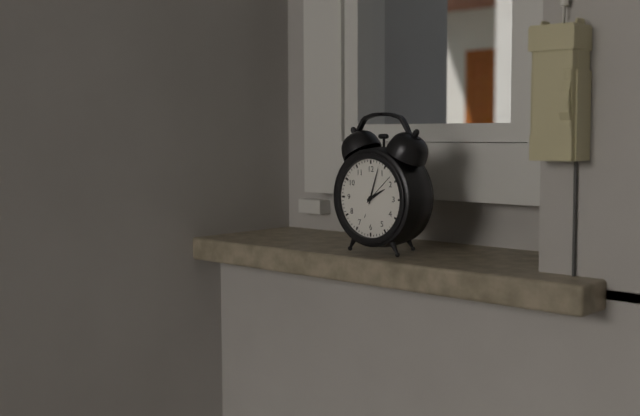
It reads 2 h 03 min
